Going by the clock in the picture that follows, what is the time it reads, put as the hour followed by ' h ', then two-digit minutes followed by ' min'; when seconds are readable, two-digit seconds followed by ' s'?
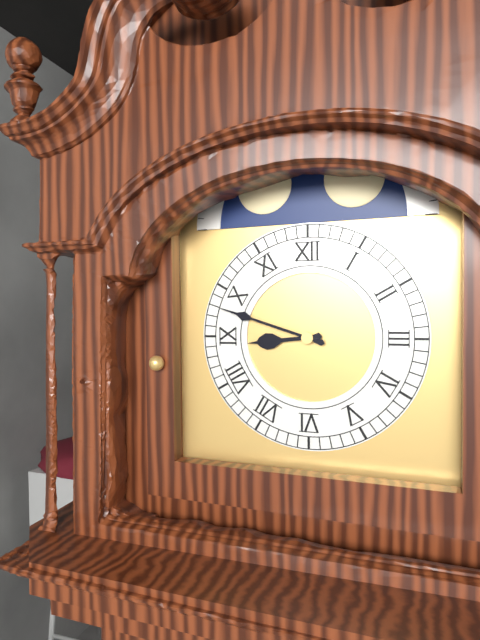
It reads 8 h 48 min
